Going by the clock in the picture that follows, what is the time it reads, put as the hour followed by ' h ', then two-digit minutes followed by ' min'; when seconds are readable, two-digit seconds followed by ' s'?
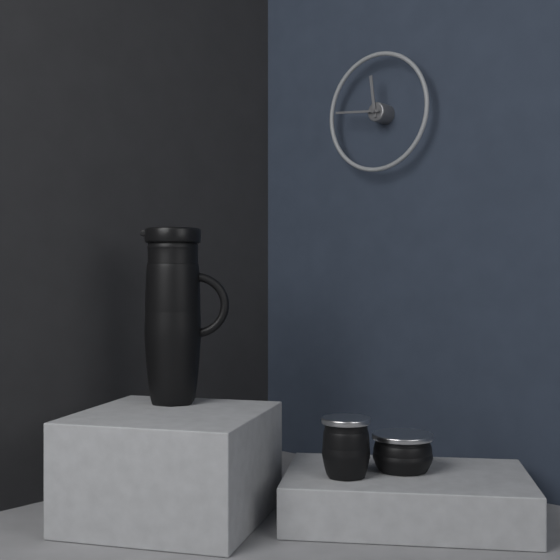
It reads 11 h 46 min
